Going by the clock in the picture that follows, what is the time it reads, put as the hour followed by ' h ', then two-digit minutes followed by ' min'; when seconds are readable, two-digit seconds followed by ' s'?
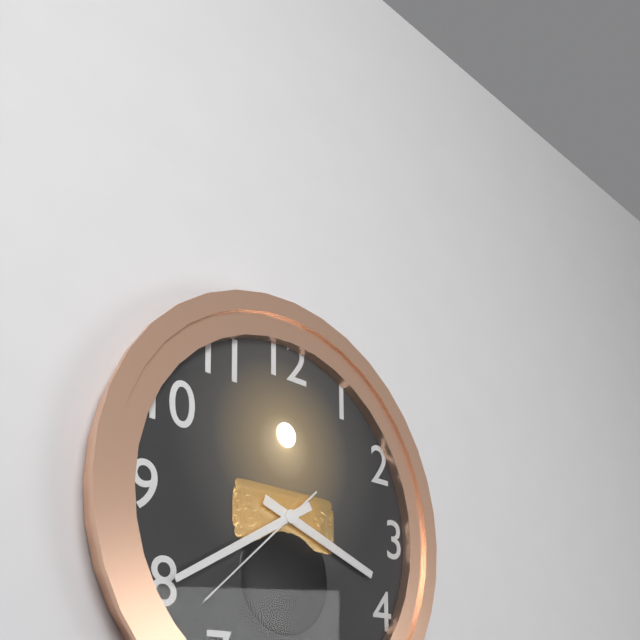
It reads 3 h 40 min 38 s
